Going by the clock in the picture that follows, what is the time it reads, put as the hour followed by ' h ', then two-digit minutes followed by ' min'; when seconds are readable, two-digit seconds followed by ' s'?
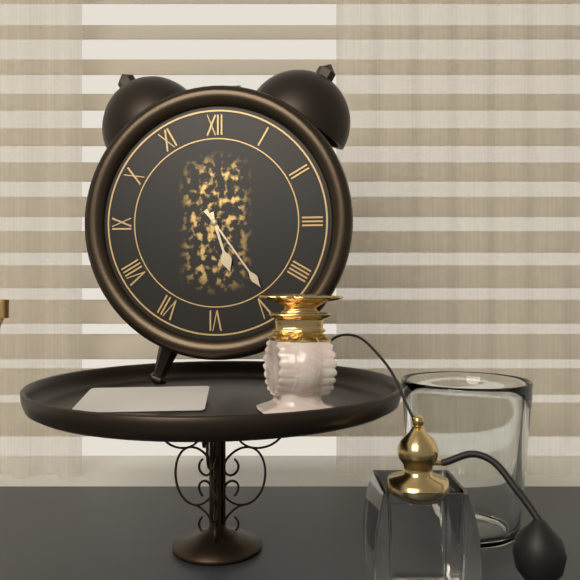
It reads 5 h 24 min
